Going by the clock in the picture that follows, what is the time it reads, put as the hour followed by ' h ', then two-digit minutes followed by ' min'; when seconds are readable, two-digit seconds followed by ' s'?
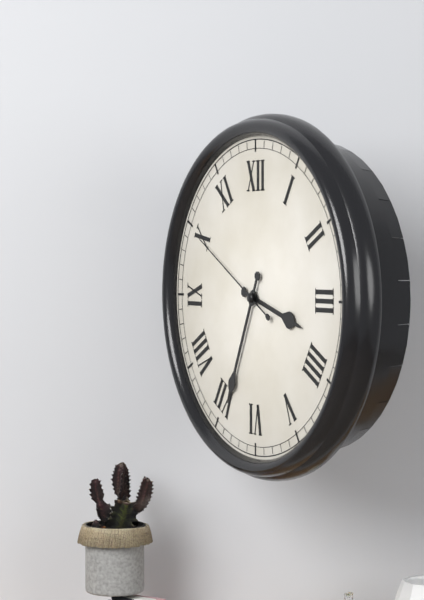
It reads 3 h 34 min 50 s
